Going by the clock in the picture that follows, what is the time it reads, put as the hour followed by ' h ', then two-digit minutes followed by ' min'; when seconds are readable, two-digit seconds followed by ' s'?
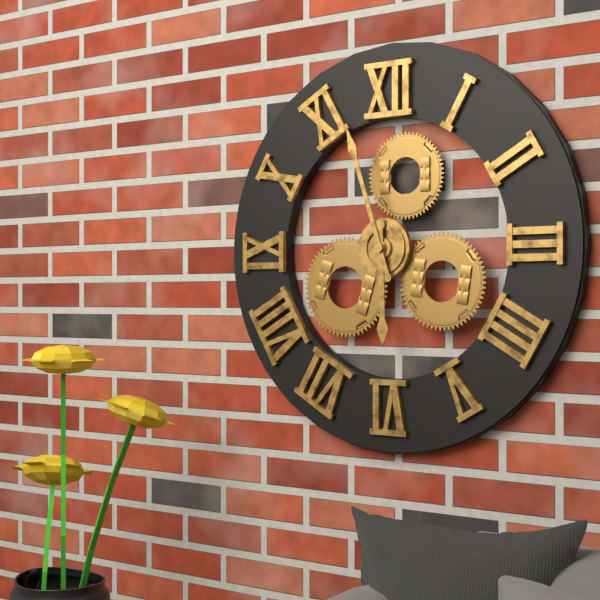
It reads 5 h 57 min
